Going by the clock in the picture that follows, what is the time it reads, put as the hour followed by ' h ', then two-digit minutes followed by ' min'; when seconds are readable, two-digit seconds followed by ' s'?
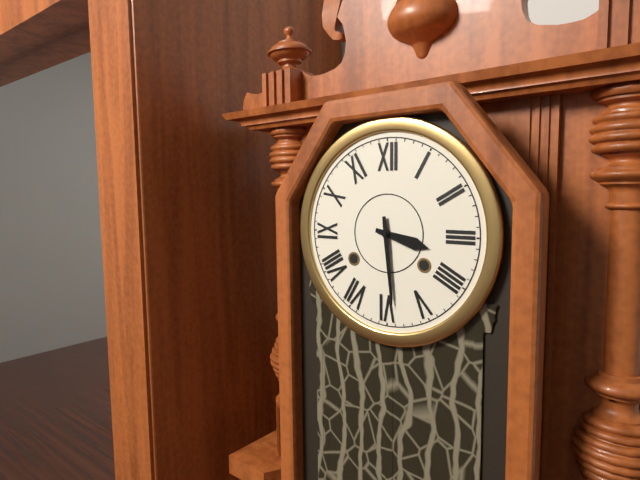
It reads 3 h 29 min
